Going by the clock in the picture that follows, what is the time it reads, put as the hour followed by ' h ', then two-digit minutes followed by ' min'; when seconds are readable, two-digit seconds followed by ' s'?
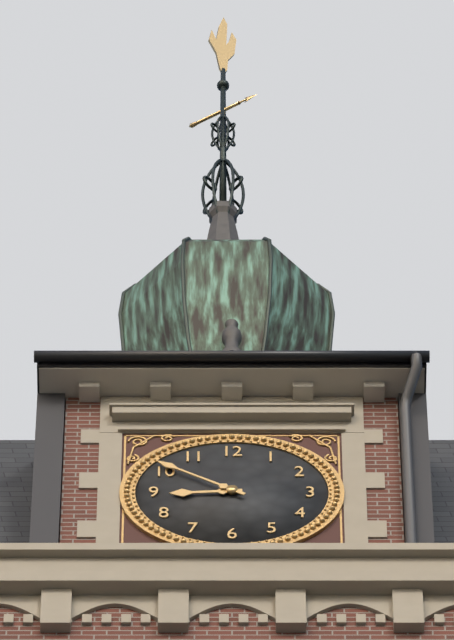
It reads 8 h 51 min
